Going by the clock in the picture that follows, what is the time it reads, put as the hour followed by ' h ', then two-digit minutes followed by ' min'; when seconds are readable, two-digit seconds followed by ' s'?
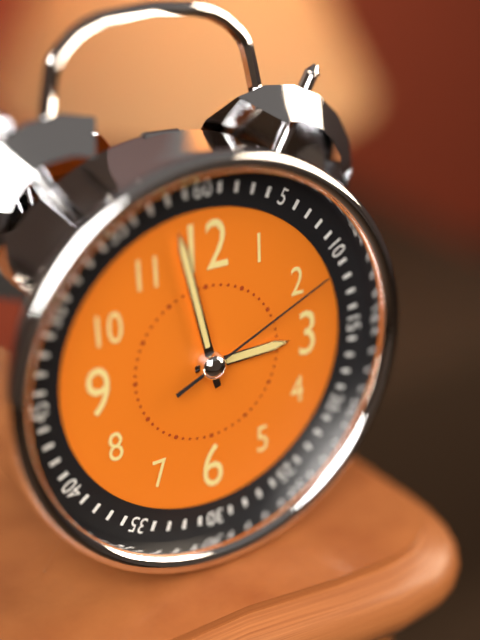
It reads 2 h 58 min 11 s
